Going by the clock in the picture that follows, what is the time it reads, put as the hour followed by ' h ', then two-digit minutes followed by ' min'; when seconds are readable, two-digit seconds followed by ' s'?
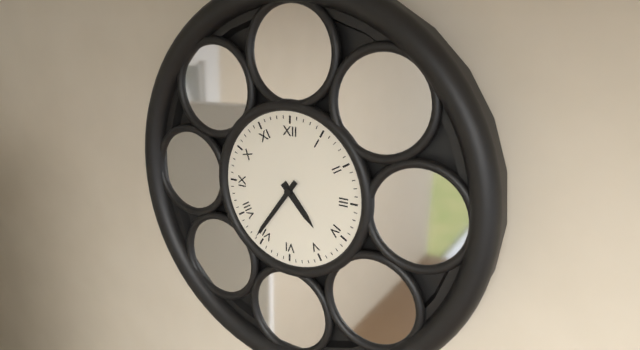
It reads 4 h 36 min
